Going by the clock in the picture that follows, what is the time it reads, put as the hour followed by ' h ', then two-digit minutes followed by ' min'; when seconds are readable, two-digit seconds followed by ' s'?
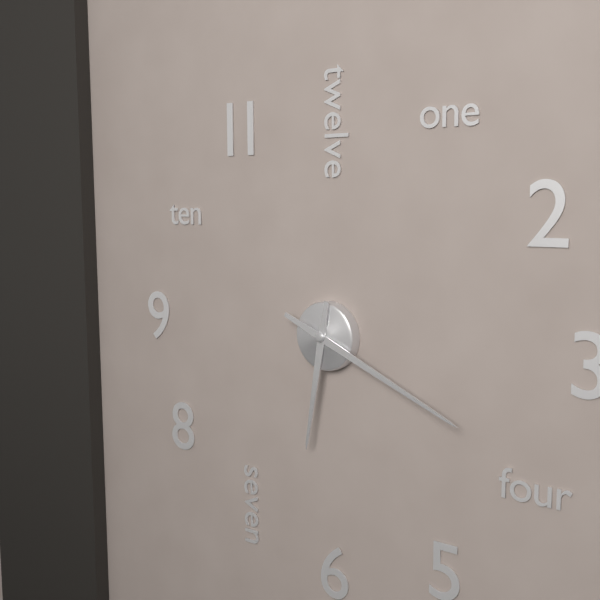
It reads 6 h 19 min
